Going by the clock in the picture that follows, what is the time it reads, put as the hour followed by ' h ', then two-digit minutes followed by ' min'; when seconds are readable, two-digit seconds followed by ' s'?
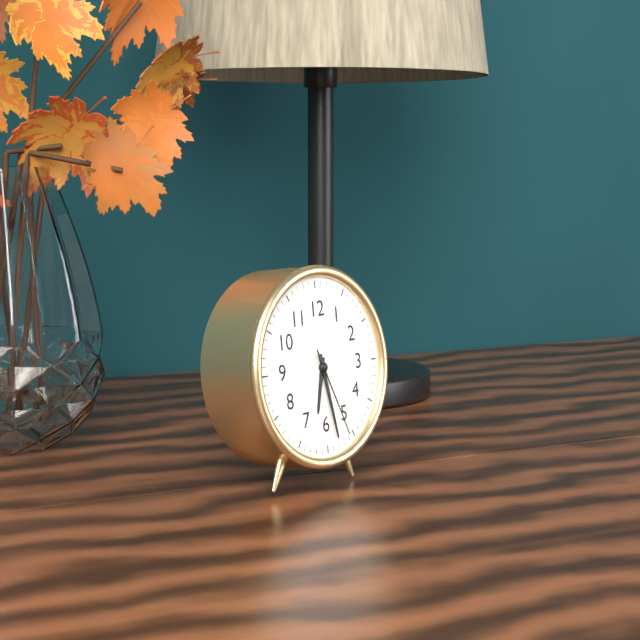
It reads 6 h 28 min 26 s
